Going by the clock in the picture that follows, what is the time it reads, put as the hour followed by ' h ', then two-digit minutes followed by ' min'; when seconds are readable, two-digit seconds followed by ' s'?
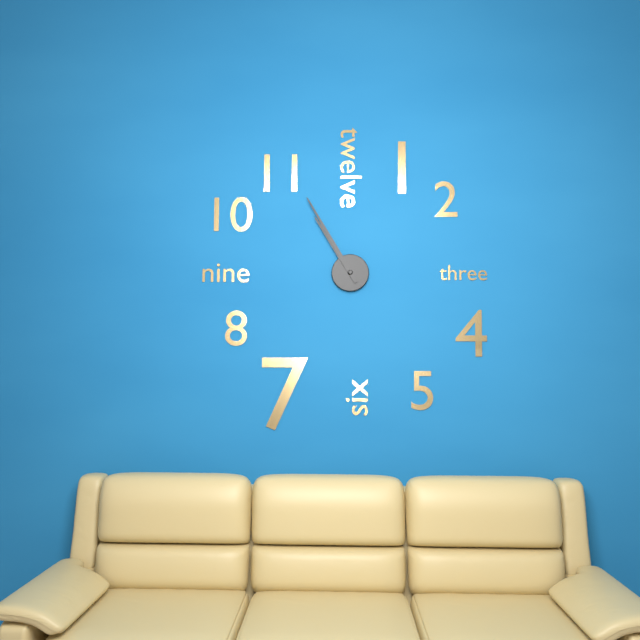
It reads 10 h 55 min
